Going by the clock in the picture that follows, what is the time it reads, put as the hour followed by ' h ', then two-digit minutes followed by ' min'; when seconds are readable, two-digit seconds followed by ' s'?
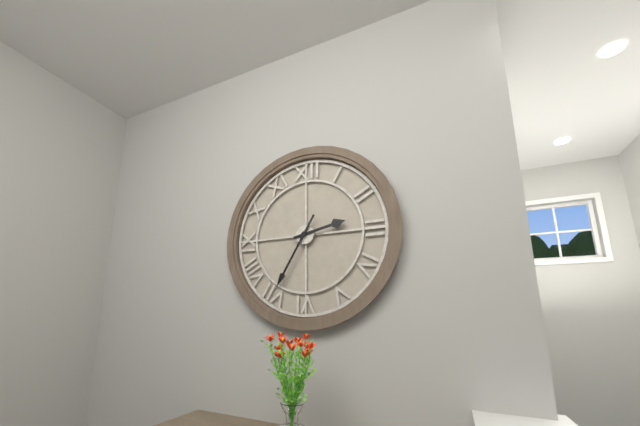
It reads 2 h 35 min
